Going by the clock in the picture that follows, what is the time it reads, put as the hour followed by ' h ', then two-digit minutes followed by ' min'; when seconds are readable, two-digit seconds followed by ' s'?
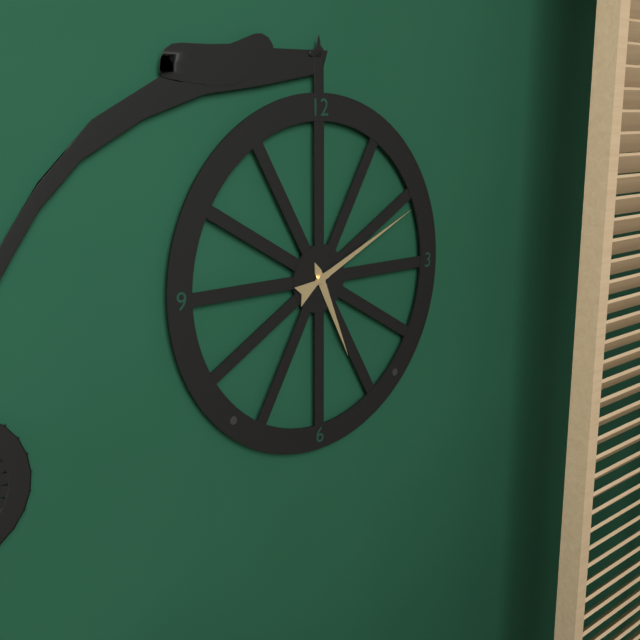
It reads 5 h 11 min
